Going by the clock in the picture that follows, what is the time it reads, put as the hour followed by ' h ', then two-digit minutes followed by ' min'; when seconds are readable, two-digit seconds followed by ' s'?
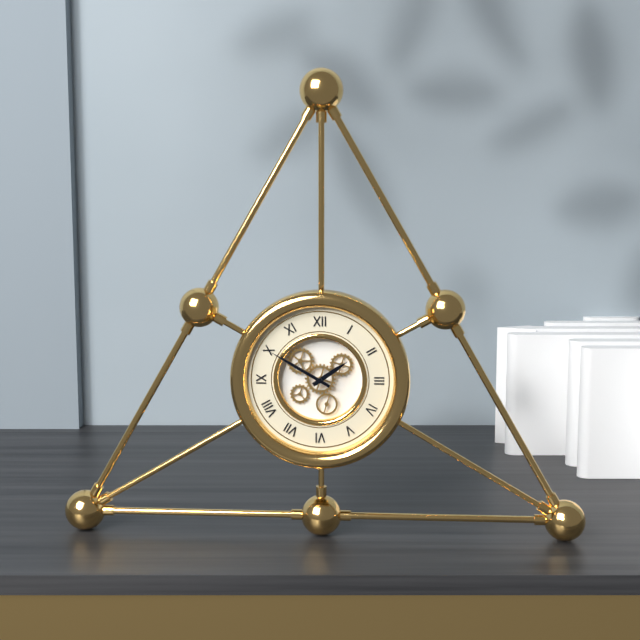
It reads 1 h 50 min
